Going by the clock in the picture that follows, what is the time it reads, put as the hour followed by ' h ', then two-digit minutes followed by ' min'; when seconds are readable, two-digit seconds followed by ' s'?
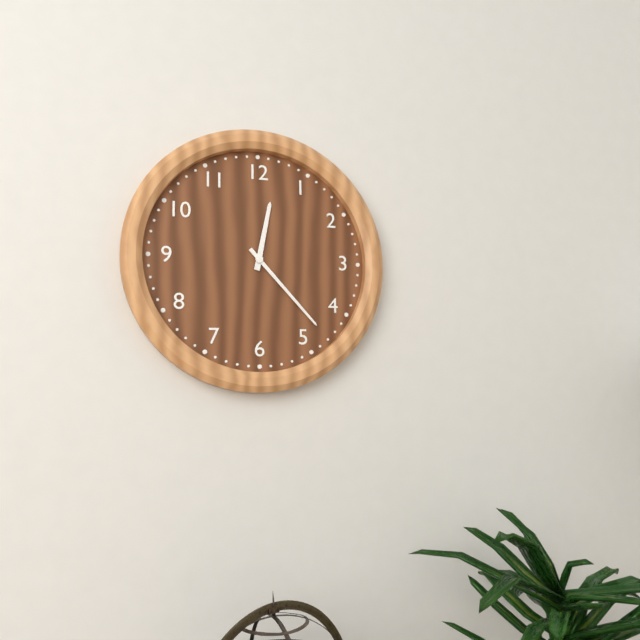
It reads 12 h 23 min
